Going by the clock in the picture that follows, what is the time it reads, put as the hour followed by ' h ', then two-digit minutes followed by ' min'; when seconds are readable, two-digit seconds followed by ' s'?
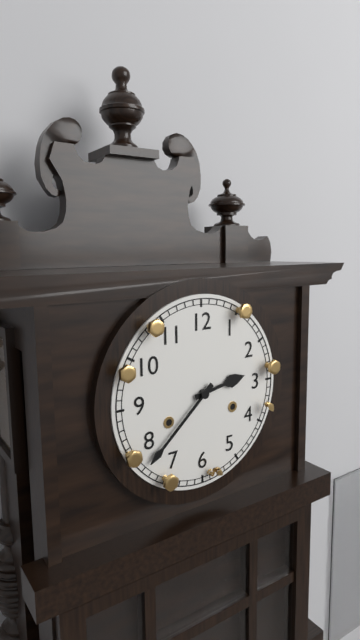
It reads 2 h 38 min
